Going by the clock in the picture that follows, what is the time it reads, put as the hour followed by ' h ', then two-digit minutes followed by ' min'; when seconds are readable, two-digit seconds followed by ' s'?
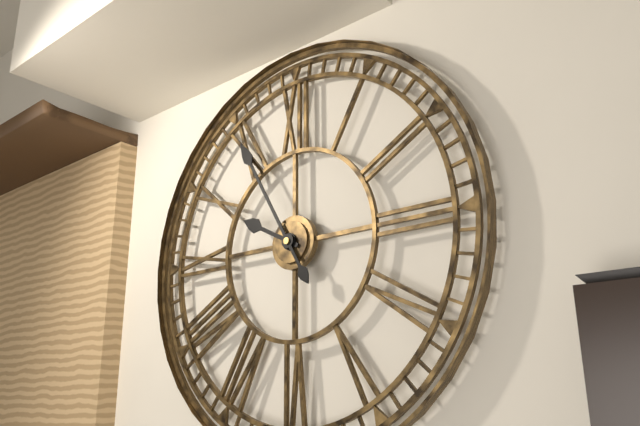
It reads 9 h 55 min
